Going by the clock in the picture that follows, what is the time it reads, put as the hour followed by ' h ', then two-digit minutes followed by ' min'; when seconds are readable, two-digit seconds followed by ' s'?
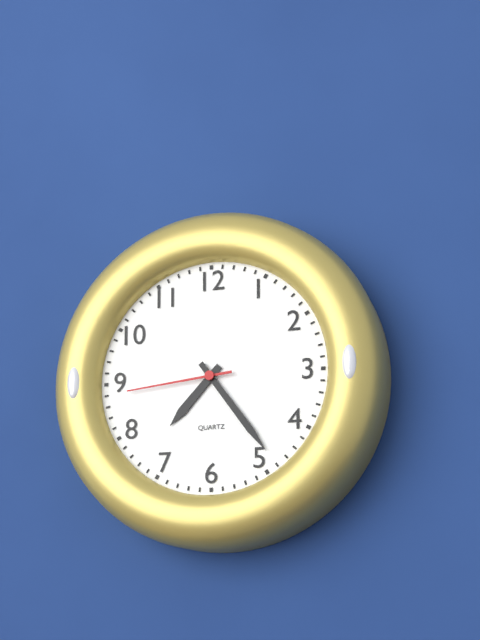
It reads 7 h 24 min 44 s
